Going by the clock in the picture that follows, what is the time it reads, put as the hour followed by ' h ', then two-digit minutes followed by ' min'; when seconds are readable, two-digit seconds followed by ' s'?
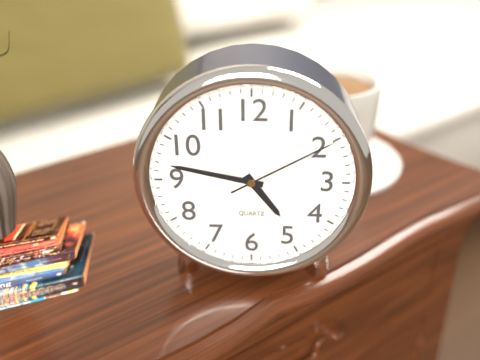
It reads 4 h 47 min 10 s
